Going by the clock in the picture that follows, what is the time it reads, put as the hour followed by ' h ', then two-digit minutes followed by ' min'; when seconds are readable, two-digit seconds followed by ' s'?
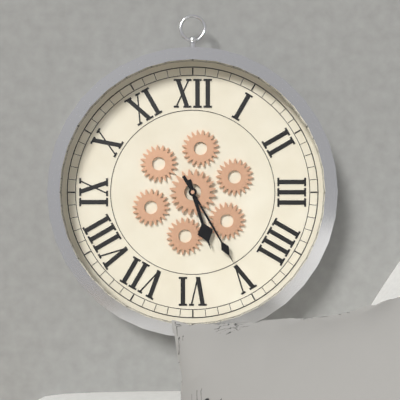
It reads 5 h 25 min
